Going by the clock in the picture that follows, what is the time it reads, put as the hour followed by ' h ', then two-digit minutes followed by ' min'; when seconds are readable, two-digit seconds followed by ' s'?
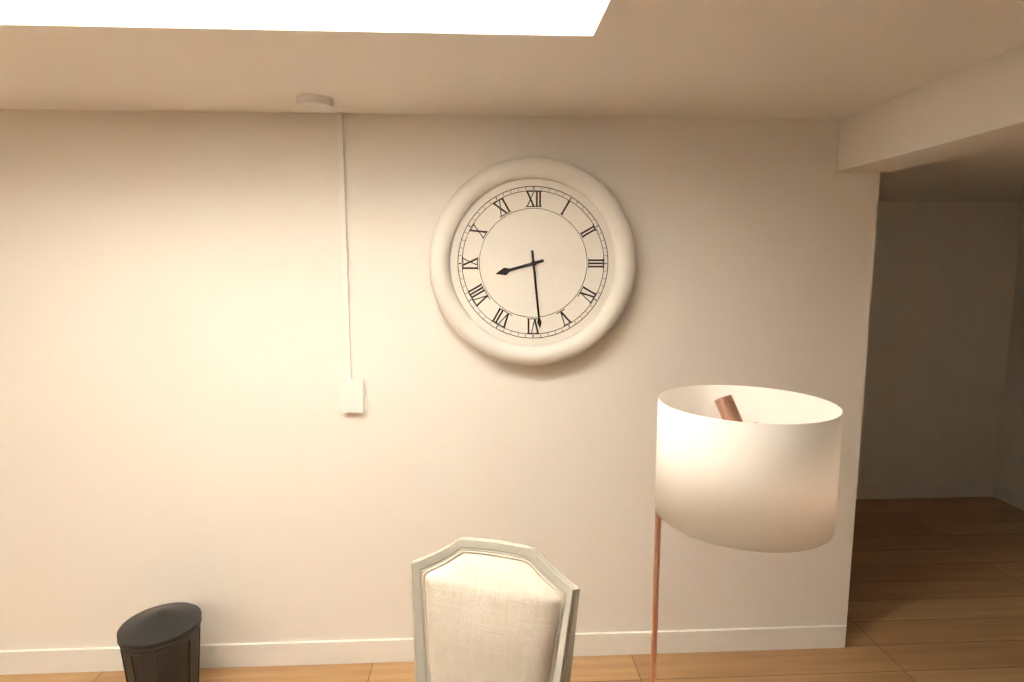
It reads 8 h 29 min
